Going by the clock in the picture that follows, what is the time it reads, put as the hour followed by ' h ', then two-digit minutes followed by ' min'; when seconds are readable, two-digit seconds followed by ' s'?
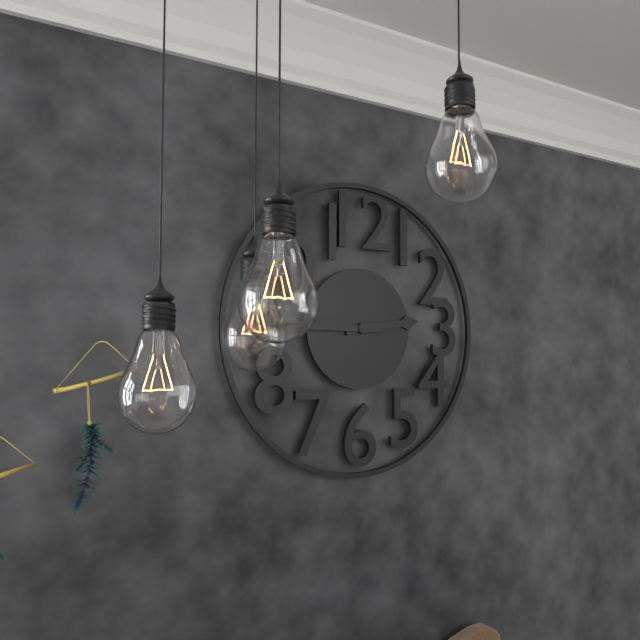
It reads 2 h 45 min
